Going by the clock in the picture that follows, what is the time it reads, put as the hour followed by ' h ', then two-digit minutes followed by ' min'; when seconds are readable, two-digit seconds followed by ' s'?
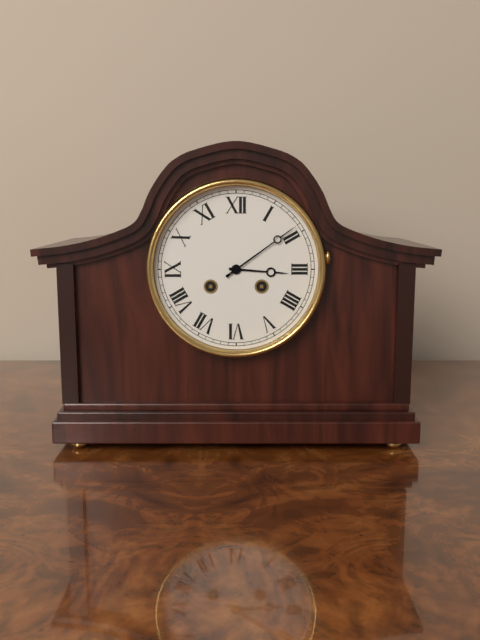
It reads 3 h 09 min
